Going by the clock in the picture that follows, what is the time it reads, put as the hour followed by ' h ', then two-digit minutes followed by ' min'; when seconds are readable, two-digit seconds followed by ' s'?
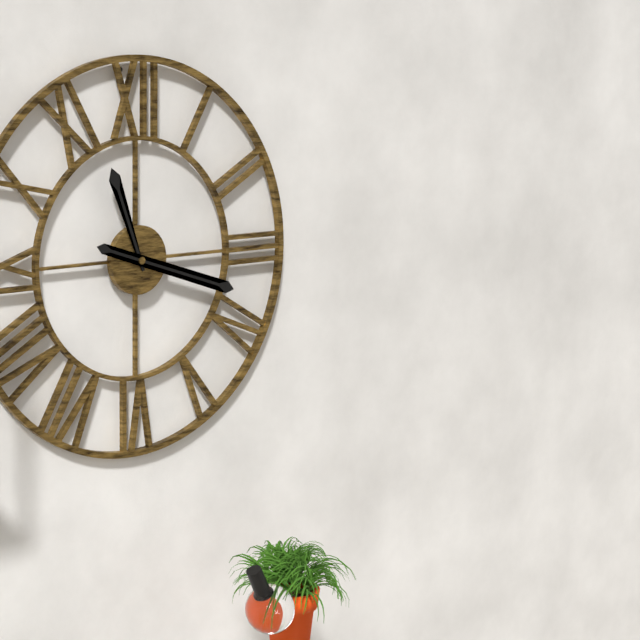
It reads 11 h 18 min
